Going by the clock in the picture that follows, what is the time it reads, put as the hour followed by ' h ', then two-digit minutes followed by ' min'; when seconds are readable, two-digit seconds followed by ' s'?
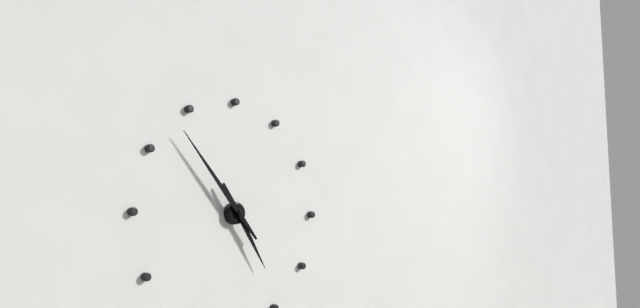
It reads 4 h 53 min
